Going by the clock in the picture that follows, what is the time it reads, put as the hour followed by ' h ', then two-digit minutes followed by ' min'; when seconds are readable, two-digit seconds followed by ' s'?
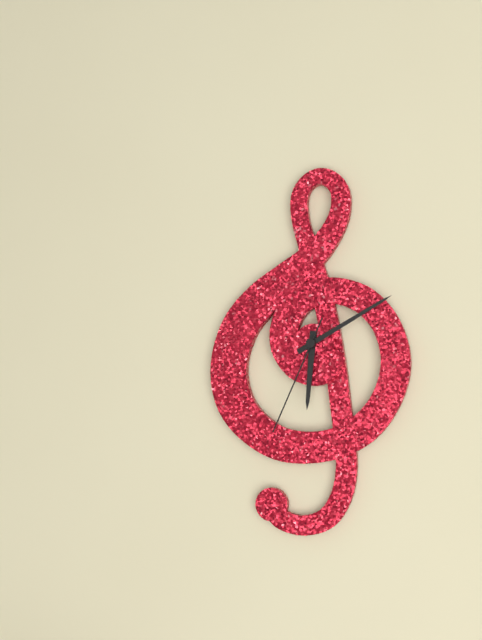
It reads 6 h 10 min 34 s
